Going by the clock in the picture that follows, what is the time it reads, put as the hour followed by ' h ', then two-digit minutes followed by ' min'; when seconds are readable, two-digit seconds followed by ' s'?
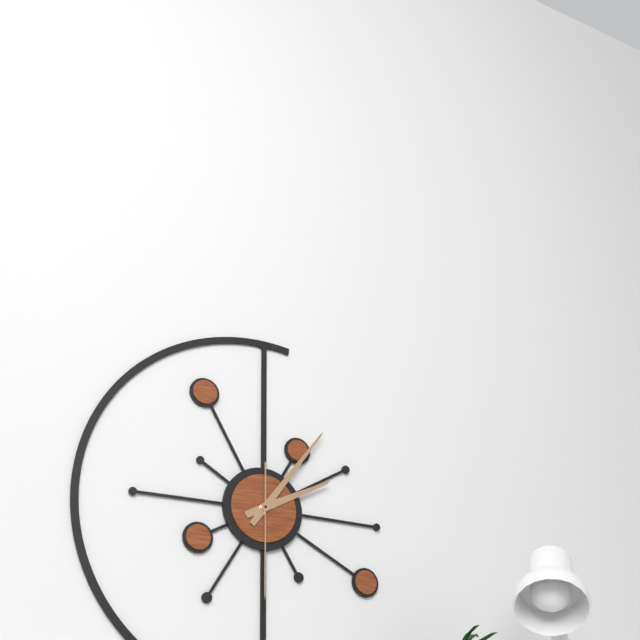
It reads 2 h 06 min 30 s
